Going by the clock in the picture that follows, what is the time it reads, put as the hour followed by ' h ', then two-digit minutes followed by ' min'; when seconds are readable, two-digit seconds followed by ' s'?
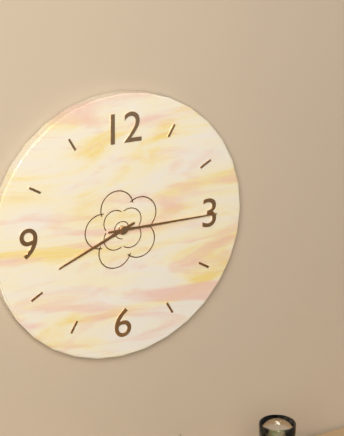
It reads 8 h 15 min
